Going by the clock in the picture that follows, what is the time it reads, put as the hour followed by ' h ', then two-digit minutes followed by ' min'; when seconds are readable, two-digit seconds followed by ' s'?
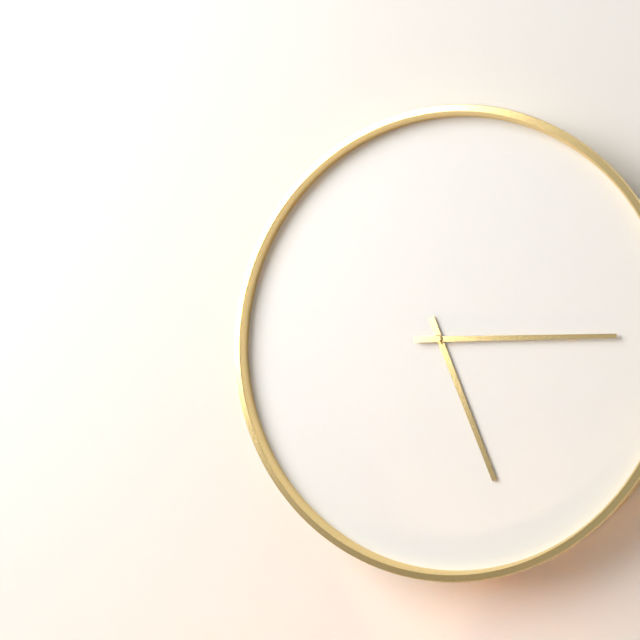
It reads 5 h 15 min
